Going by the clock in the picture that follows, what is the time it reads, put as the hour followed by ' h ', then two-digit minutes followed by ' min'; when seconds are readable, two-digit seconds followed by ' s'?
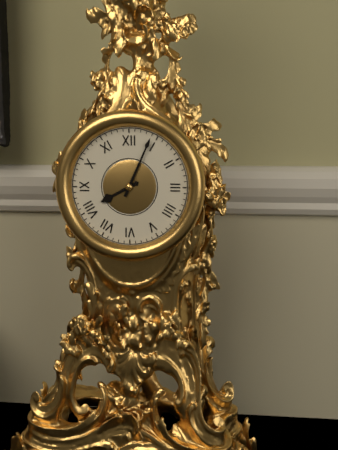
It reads 8 h 04 min
